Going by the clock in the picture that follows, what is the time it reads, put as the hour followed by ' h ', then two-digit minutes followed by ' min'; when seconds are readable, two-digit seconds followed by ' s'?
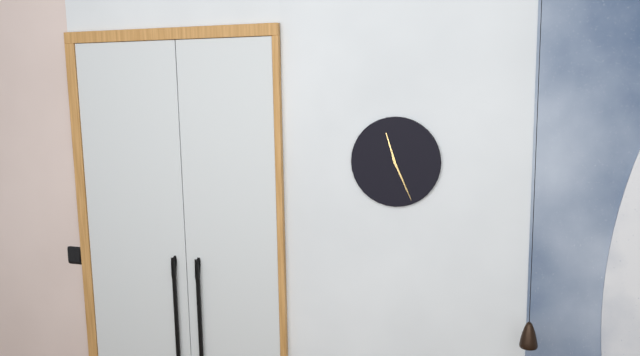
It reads 11 h 26 min
